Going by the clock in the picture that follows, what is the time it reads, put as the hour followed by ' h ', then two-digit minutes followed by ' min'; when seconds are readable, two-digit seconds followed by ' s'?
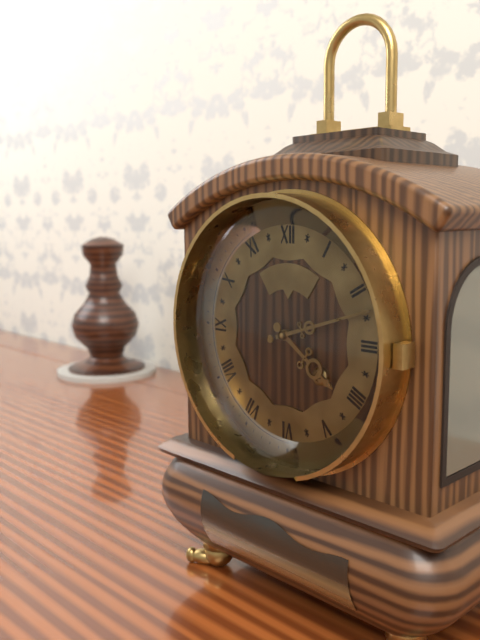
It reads 4 h 12 min
